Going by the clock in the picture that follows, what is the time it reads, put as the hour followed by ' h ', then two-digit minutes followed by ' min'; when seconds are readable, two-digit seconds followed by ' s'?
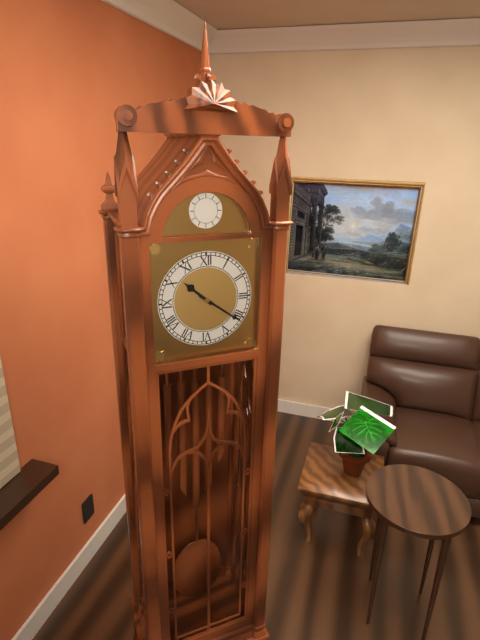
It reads 10 h 21 min
